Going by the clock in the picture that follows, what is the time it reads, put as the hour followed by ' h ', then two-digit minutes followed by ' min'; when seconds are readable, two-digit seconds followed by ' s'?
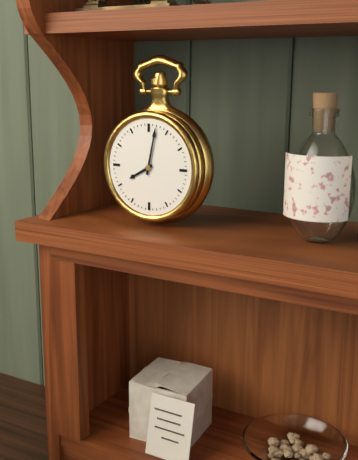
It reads 8 h 02 min
